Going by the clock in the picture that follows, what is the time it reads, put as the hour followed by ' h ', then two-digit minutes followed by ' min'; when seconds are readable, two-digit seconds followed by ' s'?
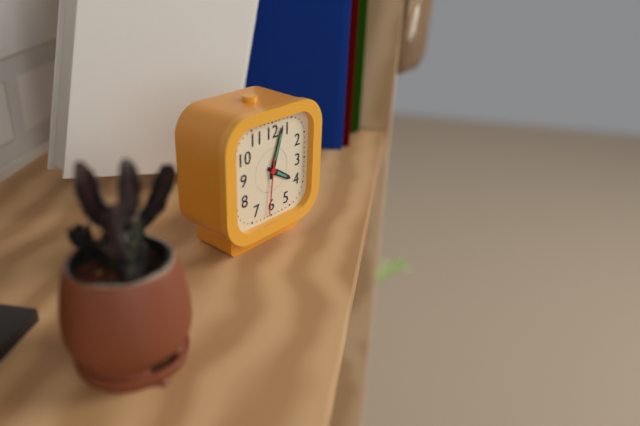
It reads 4 h 03 min 31 s
